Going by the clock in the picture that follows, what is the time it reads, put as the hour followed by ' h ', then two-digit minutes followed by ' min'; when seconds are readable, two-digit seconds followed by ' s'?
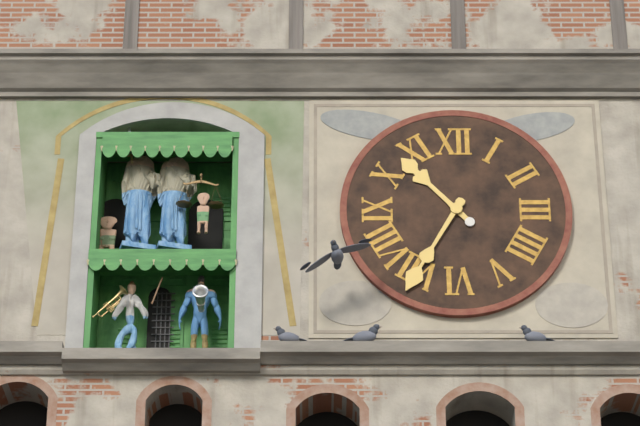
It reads 10 h 35 min
